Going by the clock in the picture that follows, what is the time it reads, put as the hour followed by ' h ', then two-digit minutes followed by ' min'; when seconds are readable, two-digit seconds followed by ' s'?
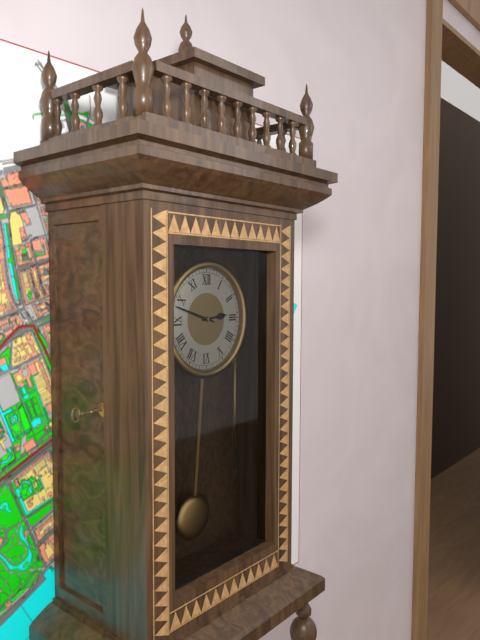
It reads 2 h 48 min
